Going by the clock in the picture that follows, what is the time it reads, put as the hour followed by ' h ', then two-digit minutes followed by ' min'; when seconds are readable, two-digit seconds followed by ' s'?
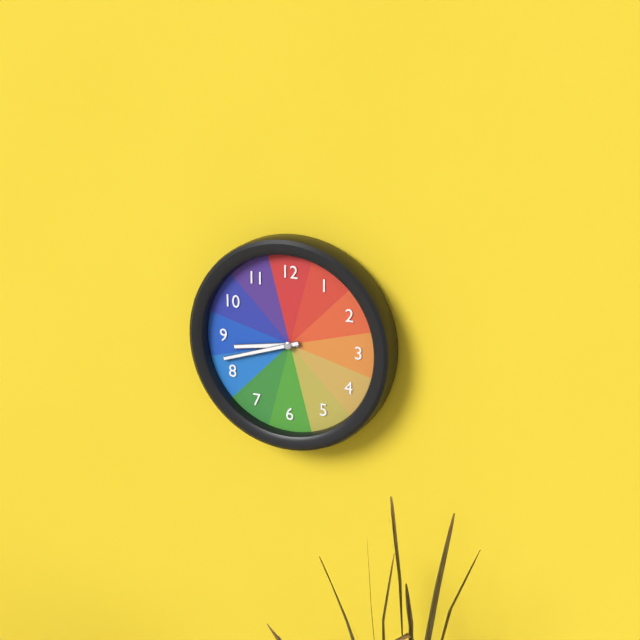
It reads 8 h 42 min
